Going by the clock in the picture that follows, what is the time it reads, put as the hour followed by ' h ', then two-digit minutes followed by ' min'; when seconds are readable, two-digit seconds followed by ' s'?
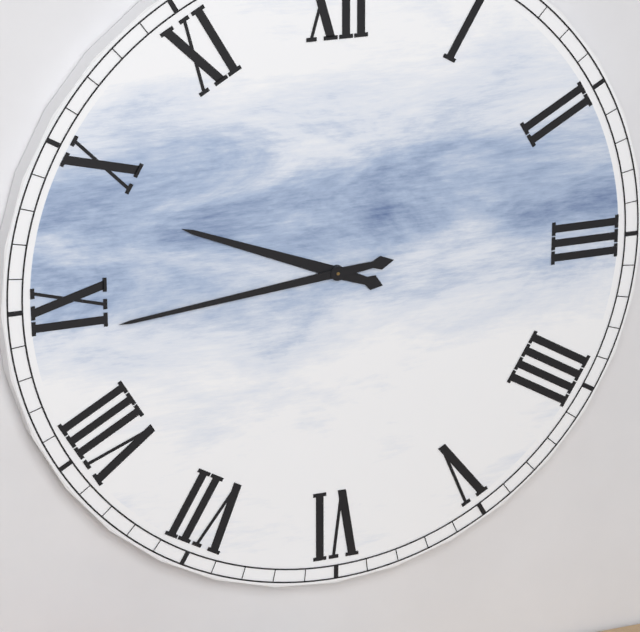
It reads 9 h 44 min
